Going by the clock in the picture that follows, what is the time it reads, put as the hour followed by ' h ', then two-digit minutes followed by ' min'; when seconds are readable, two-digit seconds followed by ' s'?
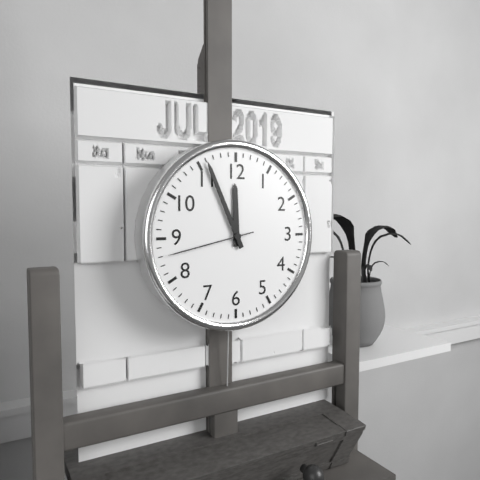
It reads 11 h 56 min 43 s
